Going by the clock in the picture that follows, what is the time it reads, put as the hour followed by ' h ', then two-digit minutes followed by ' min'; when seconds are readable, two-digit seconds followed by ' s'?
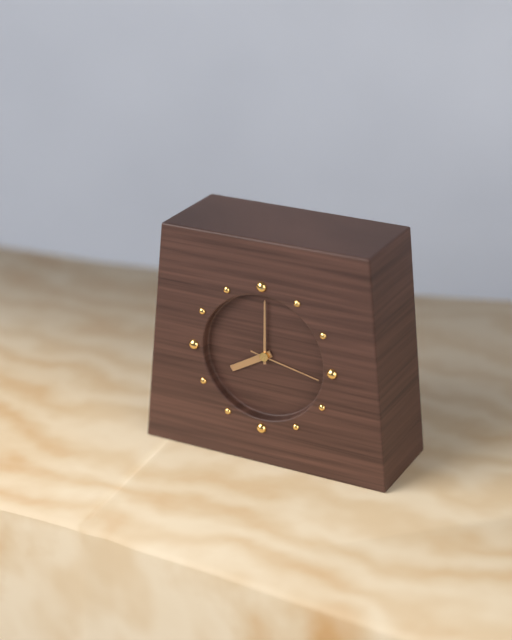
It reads 8 h 00 min 17 s
